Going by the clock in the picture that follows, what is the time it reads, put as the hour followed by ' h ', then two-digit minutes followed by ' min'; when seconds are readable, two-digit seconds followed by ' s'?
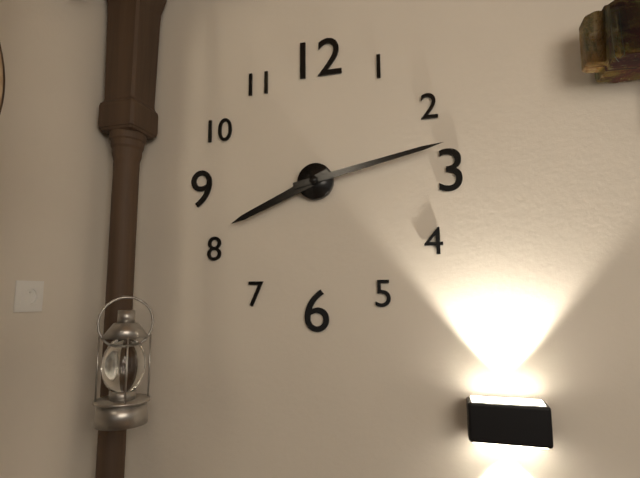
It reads 8 h 13 min
